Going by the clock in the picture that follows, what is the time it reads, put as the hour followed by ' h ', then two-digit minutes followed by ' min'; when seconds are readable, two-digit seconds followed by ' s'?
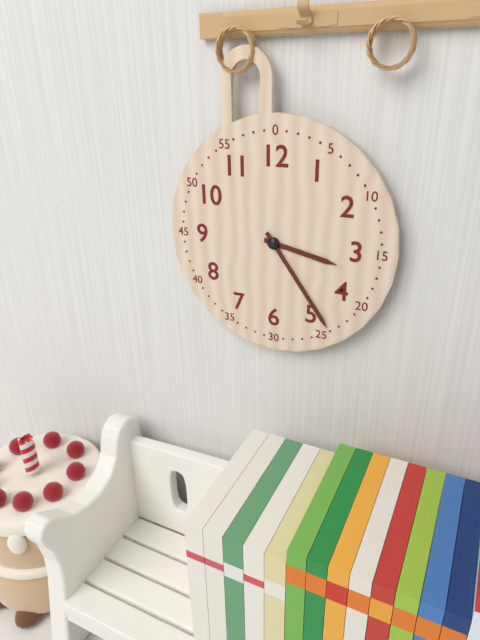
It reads 3 h 24 min
